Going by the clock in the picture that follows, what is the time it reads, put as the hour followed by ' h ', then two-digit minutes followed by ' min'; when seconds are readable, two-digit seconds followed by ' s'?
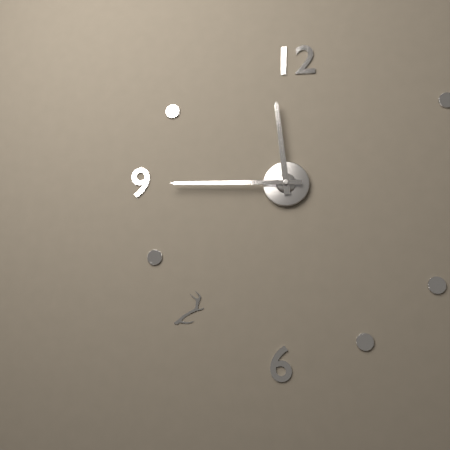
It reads 11 h 45 min
